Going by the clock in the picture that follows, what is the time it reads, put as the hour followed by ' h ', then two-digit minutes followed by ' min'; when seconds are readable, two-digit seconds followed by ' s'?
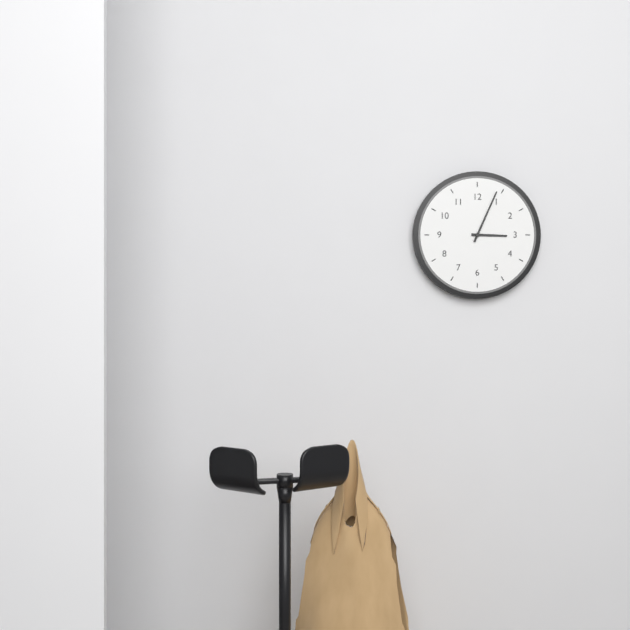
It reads 3 h 04 min
